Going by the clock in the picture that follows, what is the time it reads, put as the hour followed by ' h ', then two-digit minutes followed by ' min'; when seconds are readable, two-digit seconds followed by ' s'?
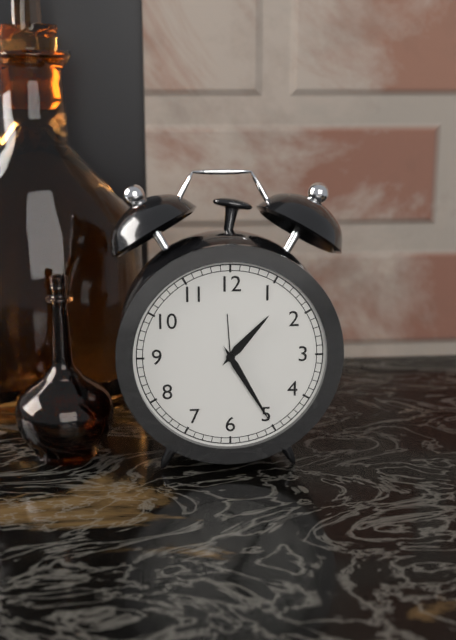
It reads 1 h 25 min
